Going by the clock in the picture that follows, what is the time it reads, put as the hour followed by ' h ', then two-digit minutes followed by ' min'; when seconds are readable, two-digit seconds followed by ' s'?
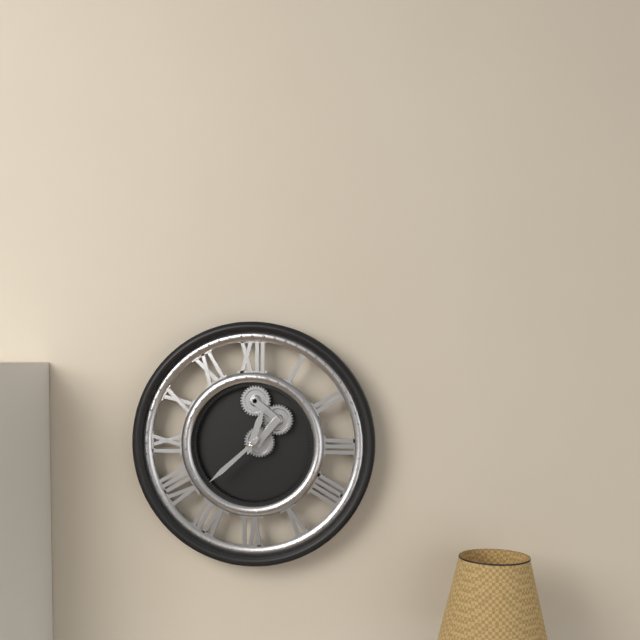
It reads 12 h 38 min
